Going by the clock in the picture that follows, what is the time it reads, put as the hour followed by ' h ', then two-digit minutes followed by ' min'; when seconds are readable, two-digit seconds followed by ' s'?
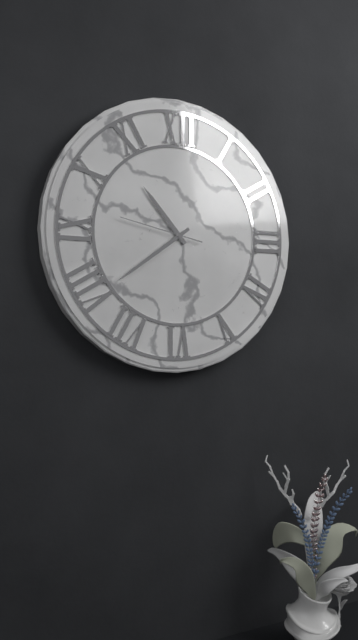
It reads 10 h 39 min 47 s
